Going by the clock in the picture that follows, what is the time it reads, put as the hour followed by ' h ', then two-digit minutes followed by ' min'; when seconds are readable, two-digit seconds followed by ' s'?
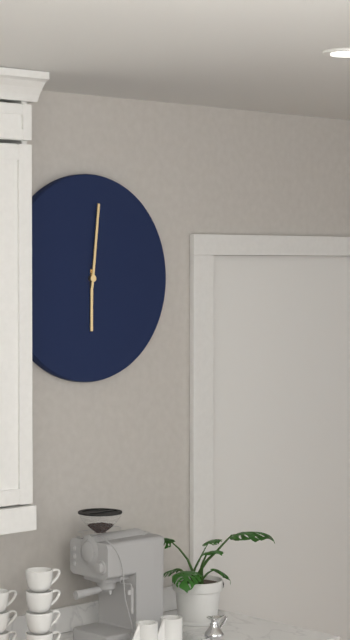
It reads 6 h 01 min
